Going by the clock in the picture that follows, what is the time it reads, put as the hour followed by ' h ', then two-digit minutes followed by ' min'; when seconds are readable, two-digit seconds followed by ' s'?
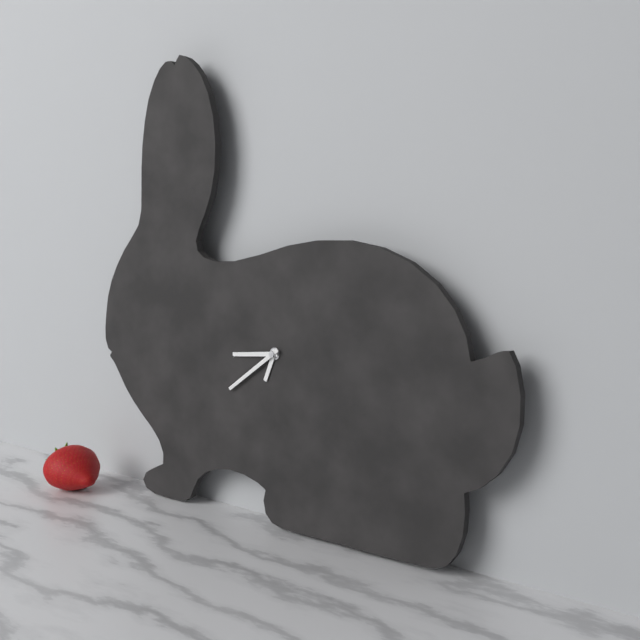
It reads 6 h 44 min 39 s
